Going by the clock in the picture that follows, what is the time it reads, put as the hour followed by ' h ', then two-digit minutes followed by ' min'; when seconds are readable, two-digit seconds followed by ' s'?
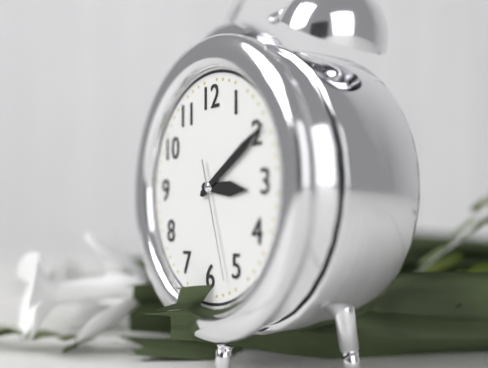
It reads 3 h 10 min 27 s
